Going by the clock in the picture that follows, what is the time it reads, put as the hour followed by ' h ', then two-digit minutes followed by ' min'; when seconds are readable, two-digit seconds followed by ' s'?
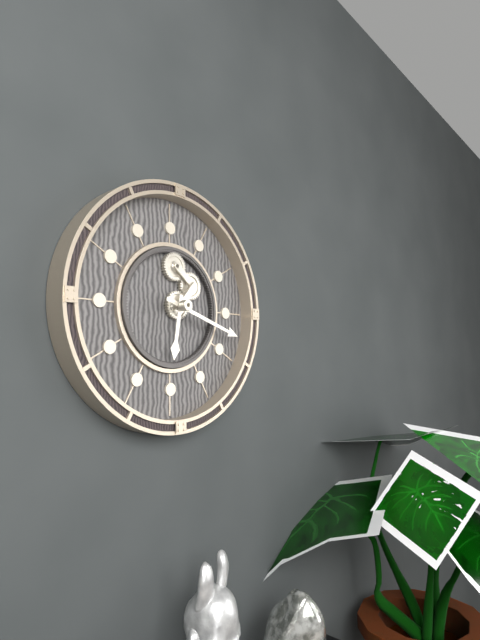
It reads 6 h 18 min
